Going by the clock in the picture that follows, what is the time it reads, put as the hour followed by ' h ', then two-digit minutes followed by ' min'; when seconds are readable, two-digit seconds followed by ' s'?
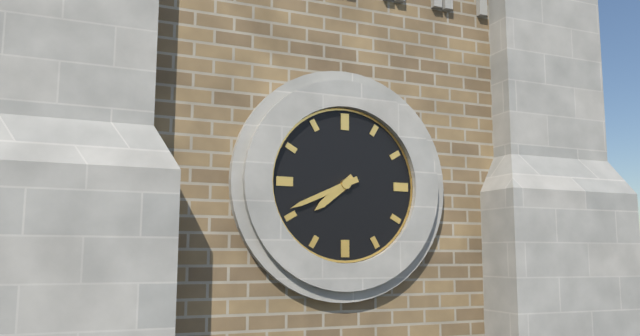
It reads 7 h 41 min
